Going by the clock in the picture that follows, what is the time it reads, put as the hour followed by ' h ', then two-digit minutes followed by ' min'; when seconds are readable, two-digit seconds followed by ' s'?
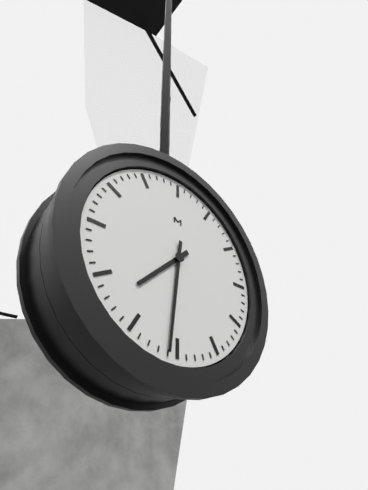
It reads 7 h 31 min
